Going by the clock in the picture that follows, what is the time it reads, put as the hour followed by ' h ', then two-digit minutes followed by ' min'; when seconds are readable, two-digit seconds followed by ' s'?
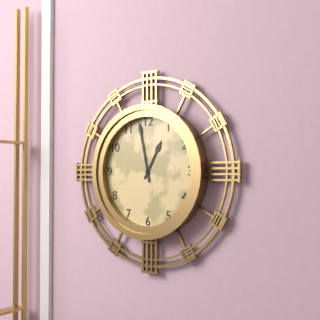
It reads 12 h 58 min
